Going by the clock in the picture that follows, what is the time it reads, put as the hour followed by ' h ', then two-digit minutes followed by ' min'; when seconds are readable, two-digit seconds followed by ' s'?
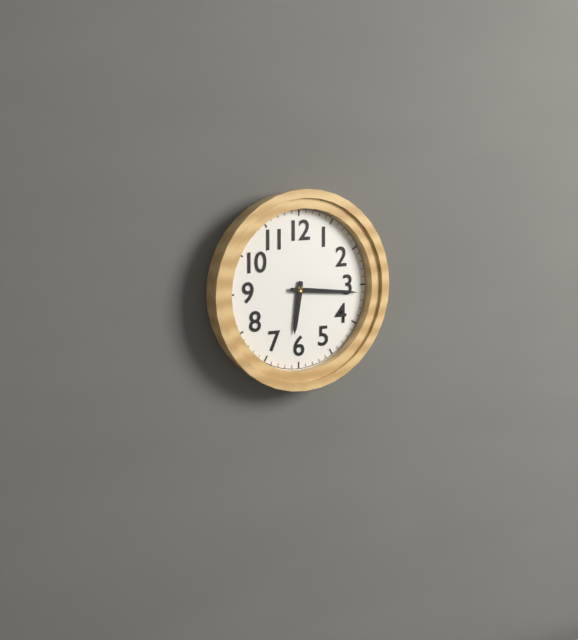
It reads 6 h 16 min
